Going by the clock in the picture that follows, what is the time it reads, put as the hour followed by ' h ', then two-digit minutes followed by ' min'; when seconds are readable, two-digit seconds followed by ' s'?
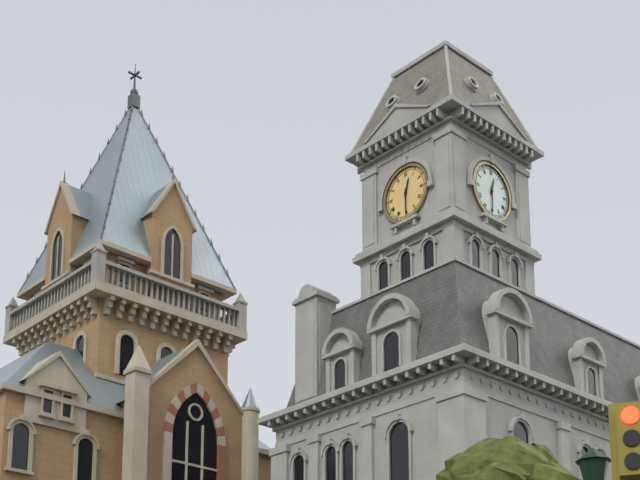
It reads 12 h 30 min
